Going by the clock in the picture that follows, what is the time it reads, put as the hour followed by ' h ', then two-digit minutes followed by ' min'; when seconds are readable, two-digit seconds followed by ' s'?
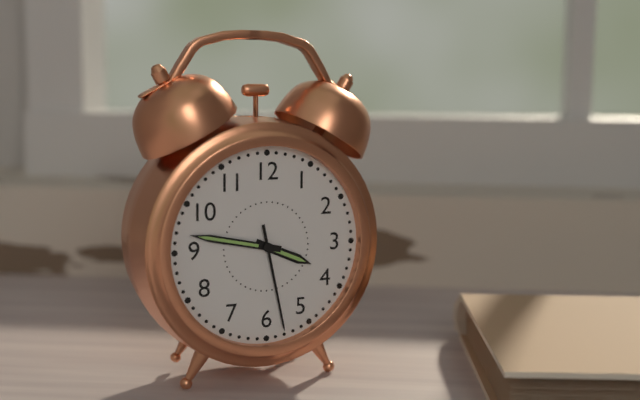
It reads 3 h 47 min 28 s
